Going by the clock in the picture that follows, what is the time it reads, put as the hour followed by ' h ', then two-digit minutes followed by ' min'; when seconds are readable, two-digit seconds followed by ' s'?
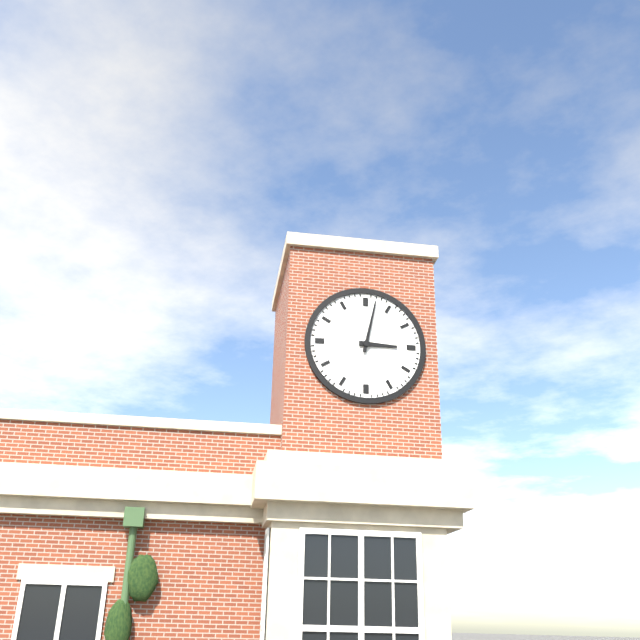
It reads 3 h 02 min
